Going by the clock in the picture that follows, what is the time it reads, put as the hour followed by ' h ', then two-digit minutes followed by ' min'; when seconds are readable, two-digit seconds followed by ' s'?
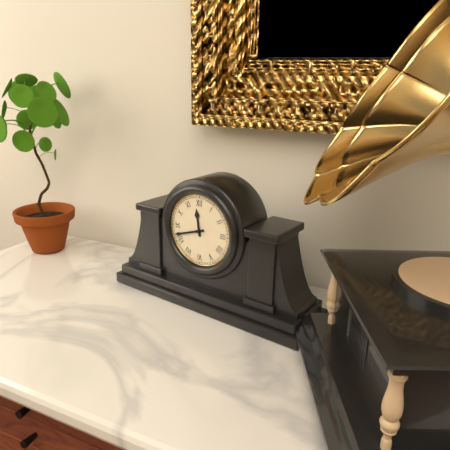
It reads 11 h 42 min
